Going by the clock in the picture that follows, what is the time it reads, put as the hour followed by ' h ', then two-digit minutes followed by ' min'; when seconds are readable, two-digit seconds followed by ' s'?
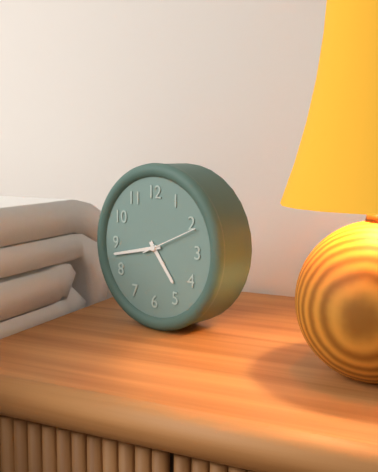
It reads 4 h 43 min 11 s
